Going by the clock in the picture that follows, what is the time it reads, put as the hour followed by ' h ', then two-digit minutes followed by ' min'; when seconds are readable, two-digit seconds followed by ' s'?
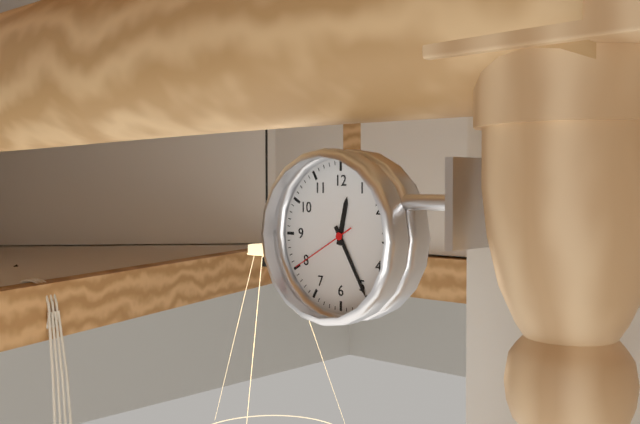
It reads 12 h 25 min 40 s
